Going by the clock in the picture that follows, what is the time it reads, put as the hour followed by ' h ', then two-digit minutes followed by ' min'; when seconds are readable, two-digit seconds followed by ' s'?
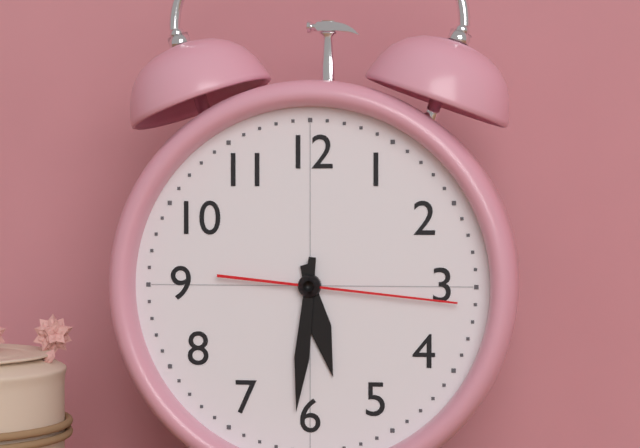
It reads 5 h 31 min 16 s
